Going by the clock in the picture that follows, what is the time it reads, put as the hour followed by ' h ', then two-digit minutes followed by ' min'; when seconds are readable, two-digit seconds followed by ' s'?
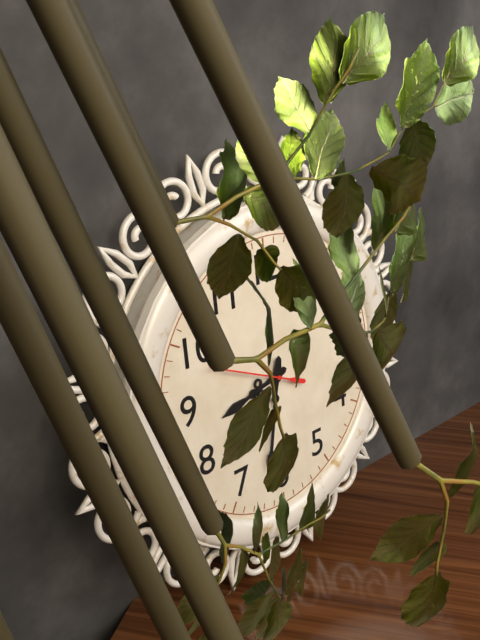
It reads 8 h 32 min 49 s
